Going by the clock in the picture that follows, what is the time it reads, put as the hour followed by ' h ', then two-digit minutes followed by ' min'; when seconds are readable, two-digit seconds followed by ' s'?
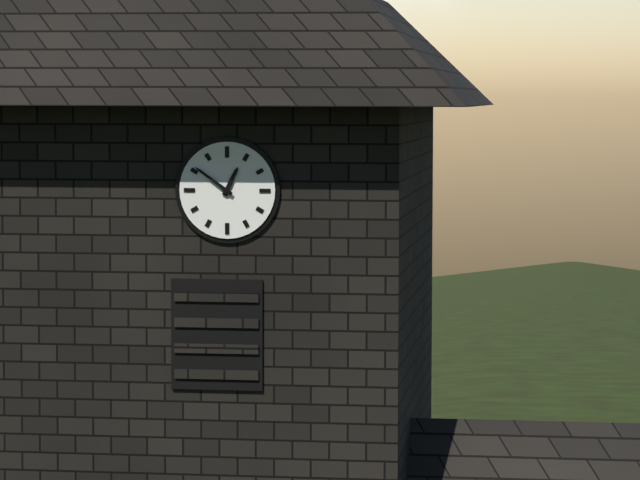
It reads 12 h 51 min
